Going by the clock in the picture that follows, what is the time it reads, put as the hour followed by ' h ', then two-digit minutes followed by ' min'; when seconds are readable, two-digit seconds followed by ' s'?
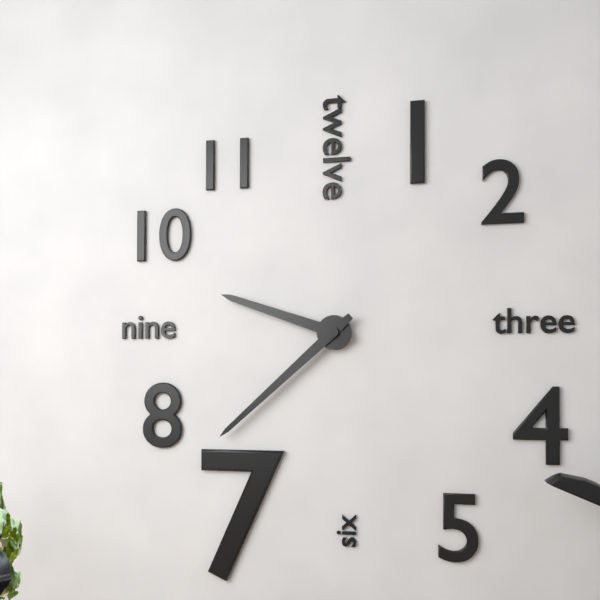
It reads 9 h 38 min
